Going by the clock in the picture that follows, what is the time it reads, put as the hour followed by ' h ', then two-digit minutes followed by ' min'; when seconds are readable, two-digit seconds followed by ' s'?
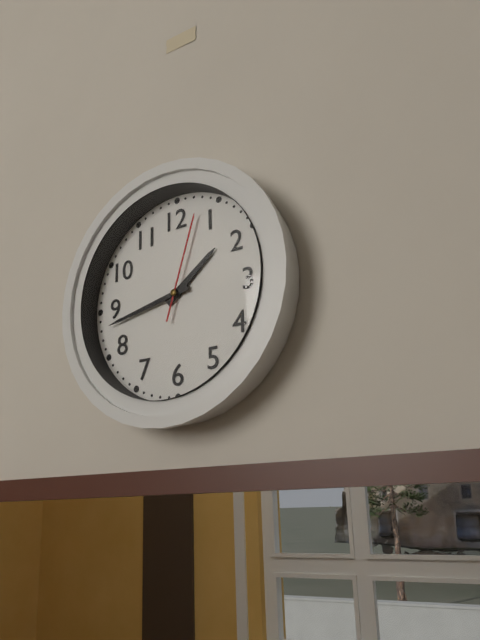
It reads 1 h 43 min 03 s
